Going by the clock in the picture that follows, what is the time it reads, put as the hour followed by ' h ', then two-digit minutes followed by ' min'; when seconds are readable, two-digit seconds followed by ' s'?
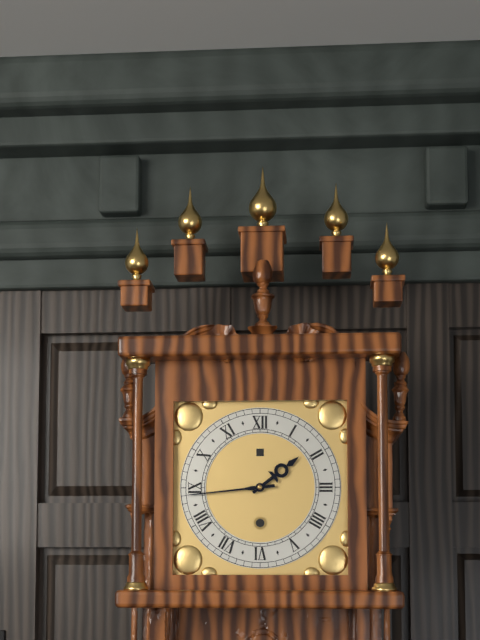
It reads 1 h 44 min
